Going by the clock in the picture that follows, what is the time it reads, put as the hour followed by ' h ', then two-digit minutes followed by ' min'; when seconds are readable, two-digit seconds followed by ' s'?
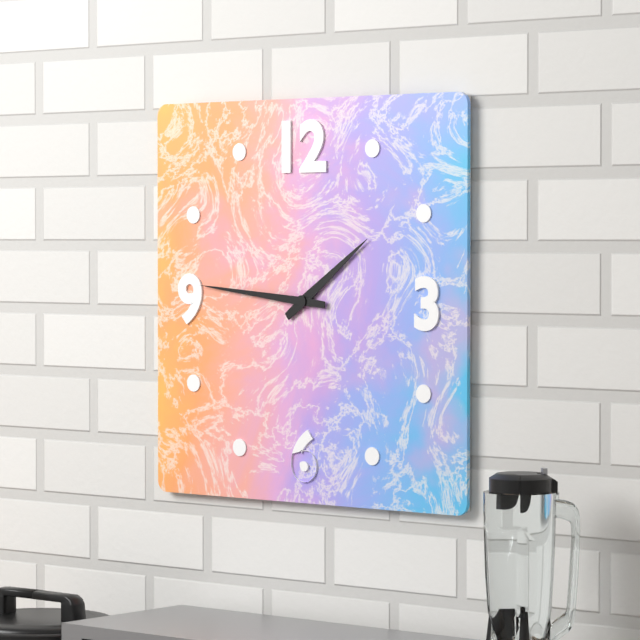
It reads 1 h 46 min
